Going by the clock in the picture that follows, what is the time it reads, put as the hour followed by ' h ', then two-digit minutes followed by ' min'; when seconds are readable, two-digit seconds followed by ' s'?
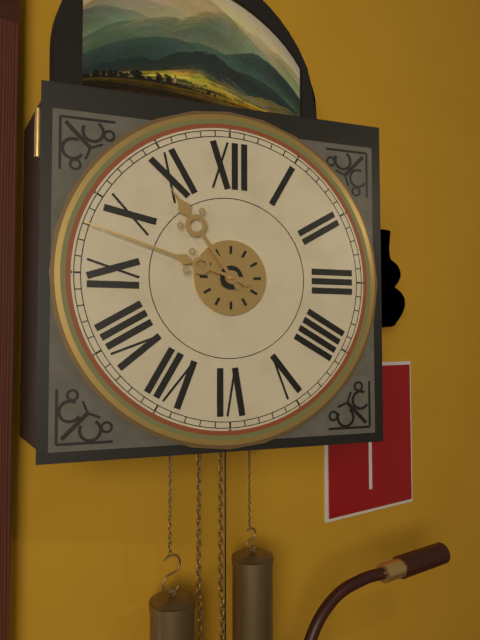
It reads 10 h 48 min
